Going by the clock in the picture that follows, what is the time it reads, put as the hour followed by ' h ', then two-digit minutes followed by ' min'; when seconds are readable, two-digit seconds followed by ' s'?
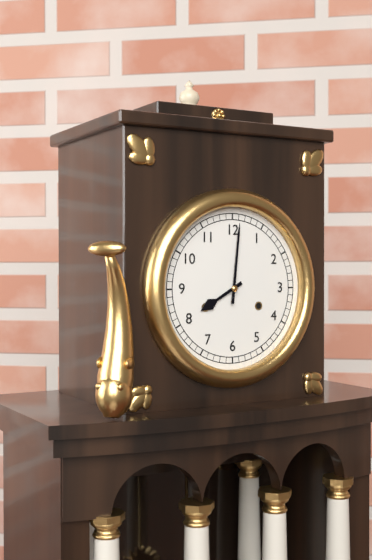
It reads 8 h 01 min
